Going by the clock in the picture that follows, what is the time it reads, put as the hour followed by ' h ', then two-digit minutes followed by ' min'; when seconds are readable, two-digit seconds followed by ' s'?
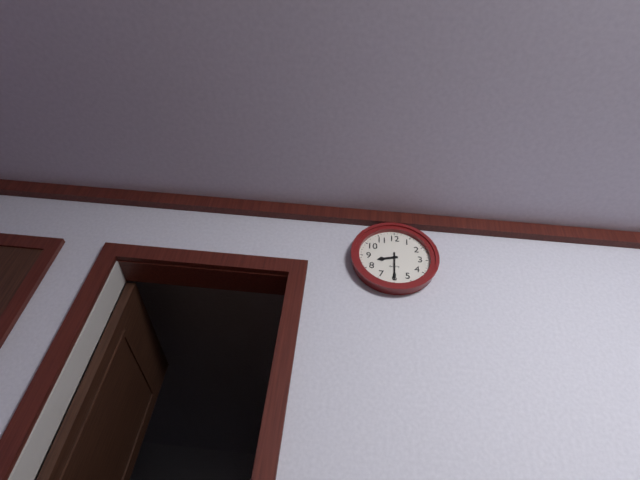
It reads 8 h 30 min
